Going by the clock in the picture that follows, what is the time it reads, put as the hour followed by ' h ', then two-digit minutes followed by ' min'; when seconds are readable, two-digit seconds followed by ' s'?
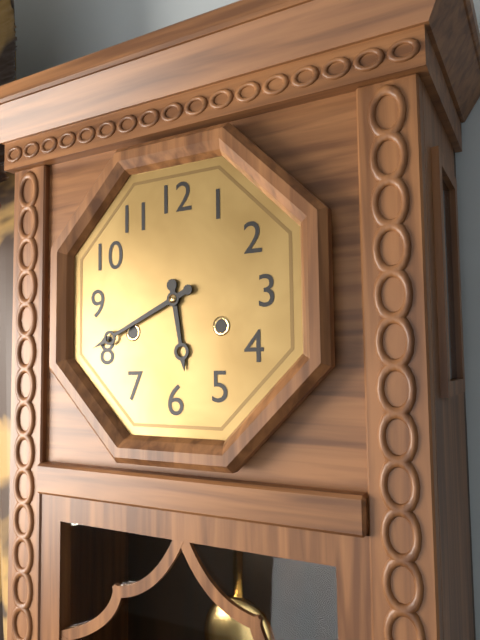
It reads 5 h 41 min
